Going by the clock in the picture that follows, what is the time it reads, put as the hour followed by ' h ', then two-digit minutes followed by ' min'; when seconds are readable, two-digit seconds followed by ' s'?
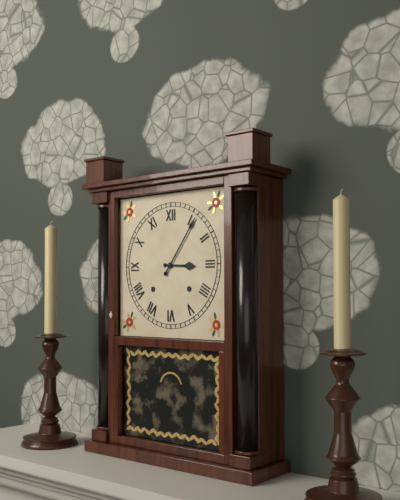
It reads 3 h 06 min
